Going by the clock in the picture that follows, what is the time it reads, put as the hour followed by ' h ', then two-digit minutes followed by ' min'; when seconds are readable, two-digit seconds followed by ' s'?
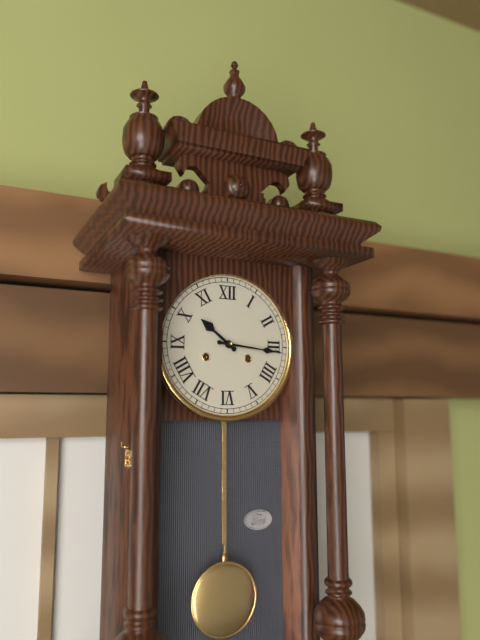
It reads 10 h 16 min
